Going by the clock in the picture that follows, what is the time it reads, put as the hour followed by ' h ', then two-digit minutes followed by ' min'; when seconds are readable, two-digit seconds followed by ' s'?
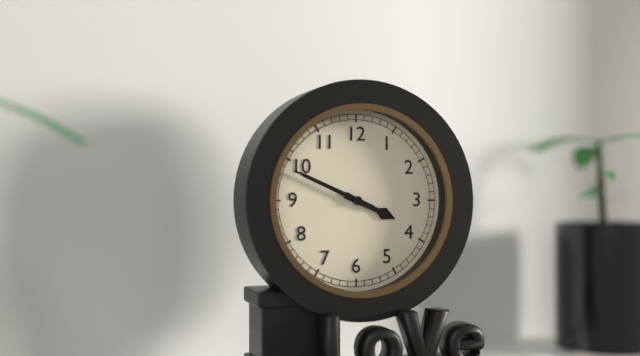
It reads 3 h 49 min
